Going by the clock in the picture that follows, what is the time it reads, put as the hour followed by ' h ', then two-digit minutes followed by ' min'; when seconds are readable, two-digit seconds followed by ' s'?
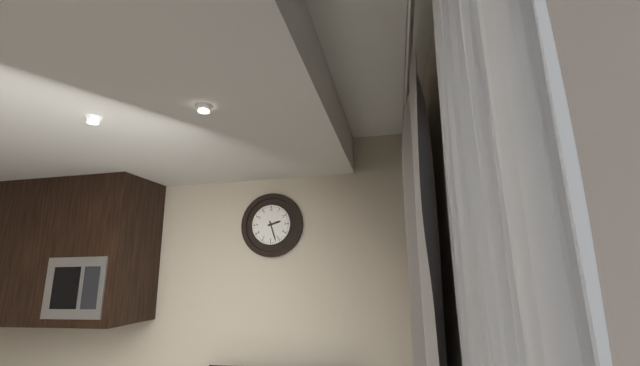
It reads 2 h 27 min
